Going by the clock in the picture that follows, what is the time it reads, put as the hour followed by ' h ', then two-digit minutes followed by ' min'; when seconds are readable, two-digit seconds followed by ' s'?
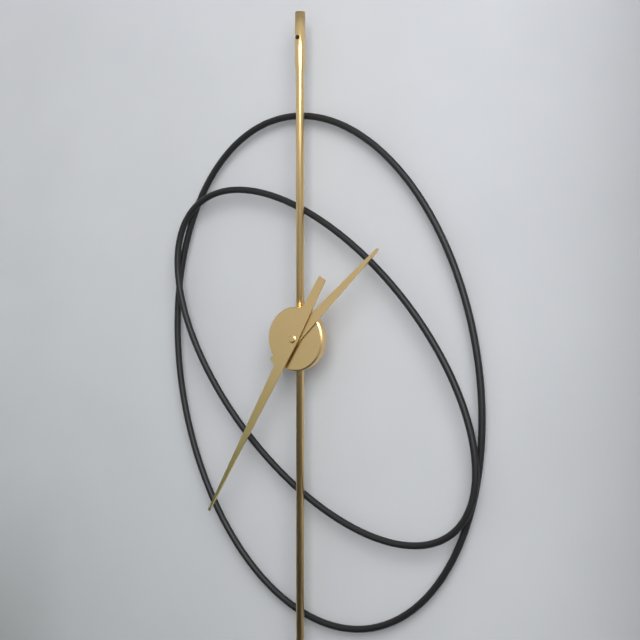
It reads 1 h 35 min
